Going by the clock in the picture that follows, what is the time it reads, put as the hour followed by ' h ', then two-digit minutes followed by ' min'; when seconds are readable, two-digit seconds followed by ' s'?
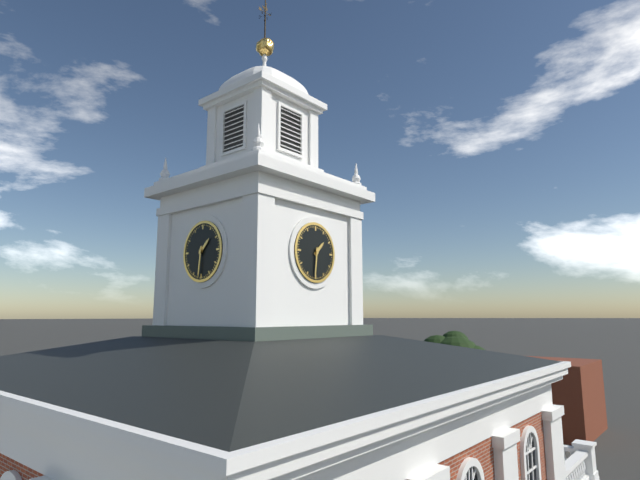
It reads 1 h 31 min
